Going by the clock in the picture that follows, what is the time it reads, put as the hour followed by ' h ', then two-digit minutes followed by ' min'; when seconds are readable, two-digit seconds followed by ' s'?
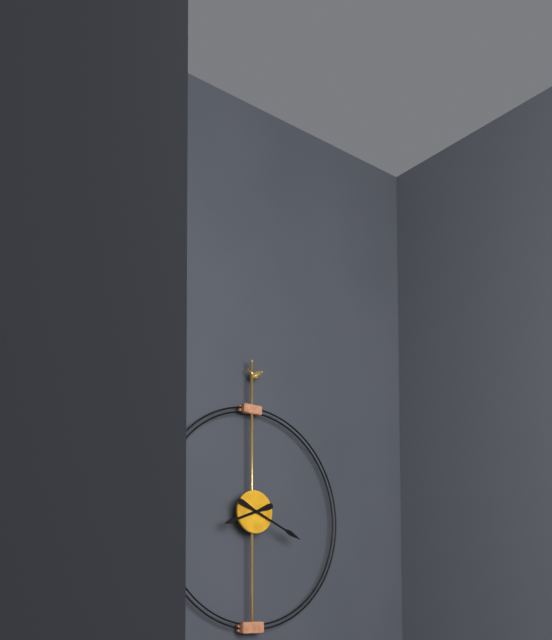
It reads 8 h 19 min
